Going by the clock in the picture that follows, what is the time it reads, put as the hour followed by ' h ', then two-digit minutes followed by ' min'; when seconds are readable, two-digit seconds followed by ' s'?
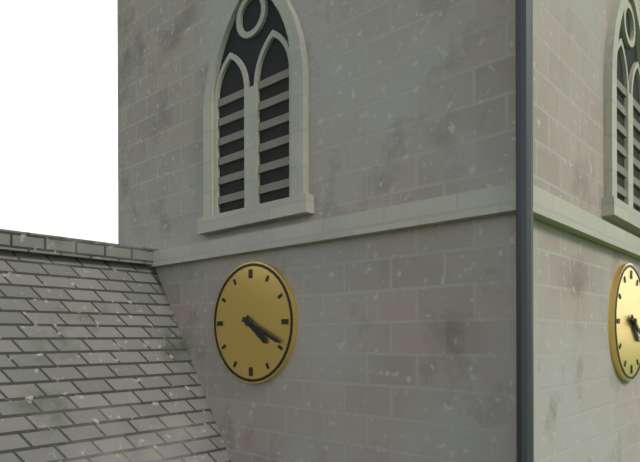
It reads 4 h 19 min
